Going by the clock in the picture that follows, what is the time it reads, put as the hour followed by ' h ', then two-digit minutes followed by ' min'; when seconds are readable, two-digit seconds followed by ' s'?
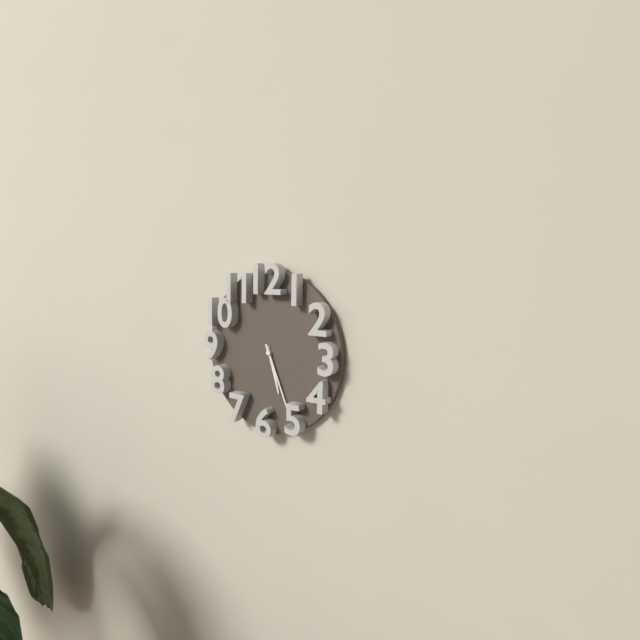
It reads 5 h 26 min
